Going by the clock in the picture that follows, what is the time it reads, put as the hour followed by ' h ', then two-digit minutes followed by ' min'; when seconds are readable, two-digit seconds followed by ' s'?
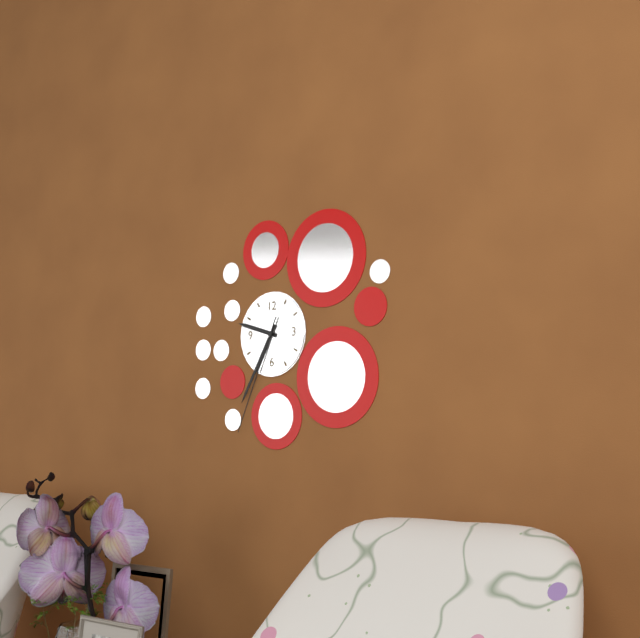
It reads 9 h 35 min 34 s
